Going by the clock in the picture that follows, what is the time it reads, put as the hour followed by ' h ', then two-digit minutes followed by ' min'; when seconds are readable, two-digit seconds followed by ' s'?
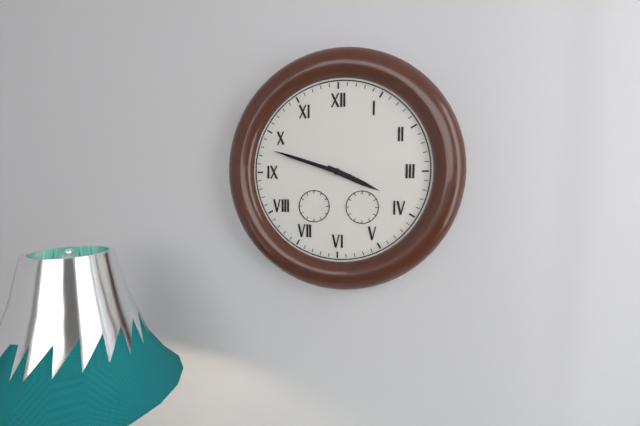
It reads 3 h 48 min
